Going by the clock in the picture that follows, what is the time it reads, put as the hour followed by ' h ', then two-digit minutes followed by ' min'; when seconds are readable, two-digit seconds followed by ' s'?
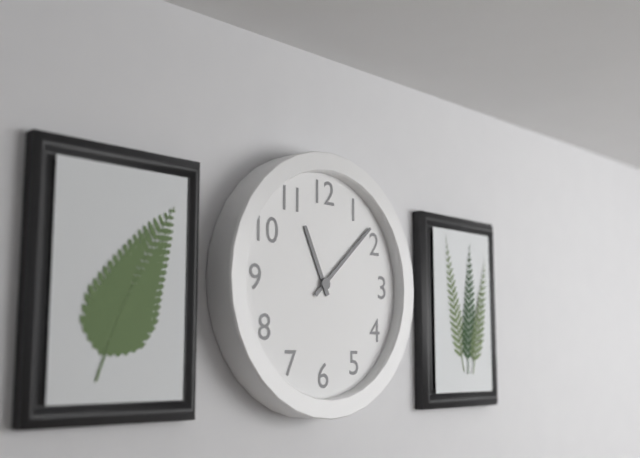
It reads 11 h 08 min
